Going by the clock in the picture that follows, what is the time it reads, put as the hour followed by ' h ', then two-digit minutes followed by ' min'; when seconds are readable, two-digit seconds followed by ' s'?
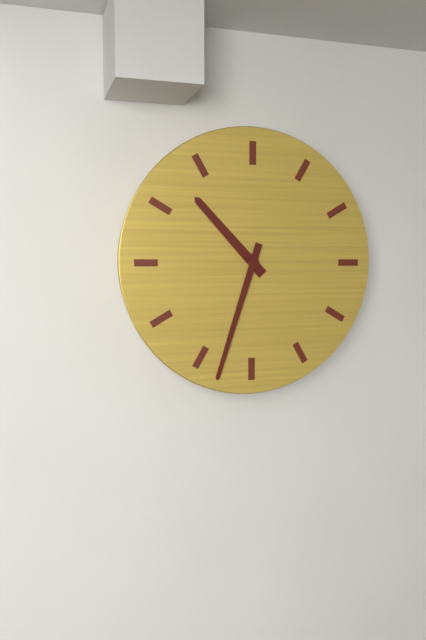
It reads 10 h 33 min
